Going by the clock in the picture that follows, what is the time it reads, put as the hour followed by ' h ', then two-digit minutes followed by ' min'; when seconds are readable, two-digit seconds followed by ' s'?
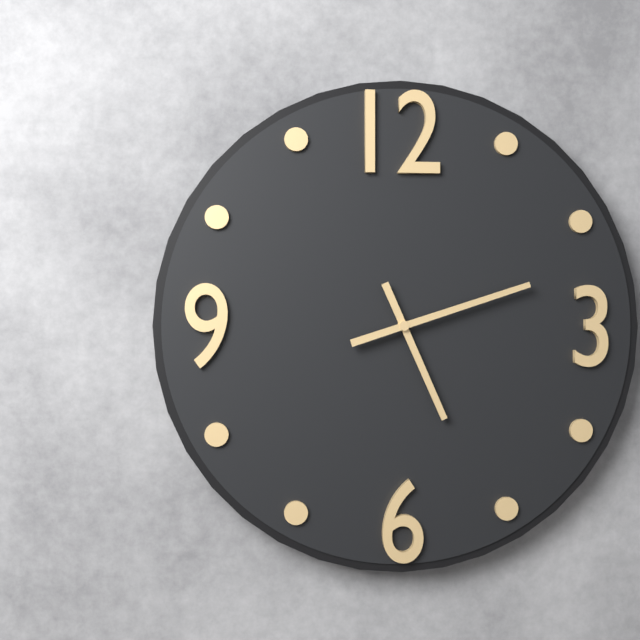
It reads 5 h 12 min
